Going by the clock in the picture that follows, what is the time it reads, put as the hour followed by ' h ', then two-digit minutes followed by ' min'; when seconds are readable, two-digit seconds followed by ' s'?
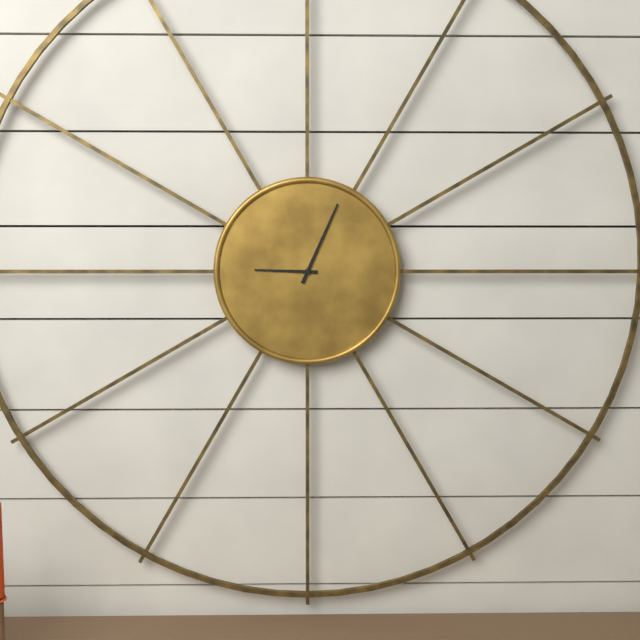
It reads 9 h 04 min
